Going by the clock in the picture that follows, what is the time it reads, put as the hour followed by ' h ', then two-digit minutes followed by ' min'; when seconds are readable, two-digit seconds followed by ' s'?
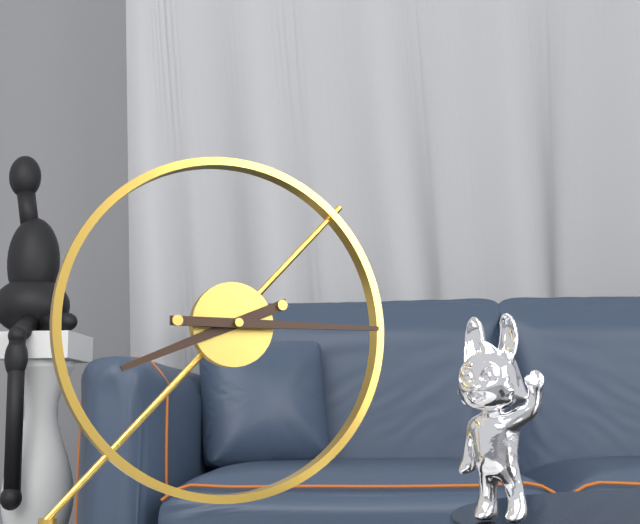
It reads 8 h 15 min
